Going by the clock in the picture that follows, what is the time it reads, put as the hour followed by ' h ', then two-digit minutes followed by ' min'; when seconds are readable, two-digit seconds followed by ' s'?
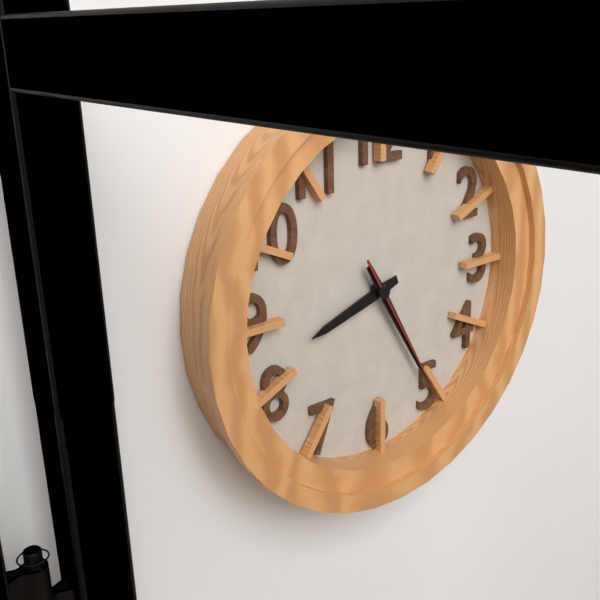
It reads 8 h 25 min 25 s
